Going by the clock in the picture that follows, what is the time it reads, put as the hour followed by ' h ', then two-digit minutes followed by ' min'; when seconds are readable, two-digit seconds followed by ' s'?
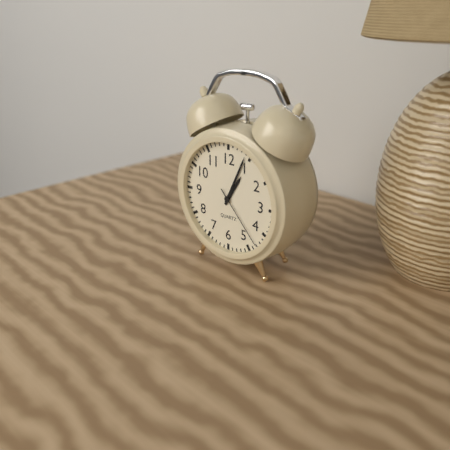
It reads 1 h 04 min 23 s
